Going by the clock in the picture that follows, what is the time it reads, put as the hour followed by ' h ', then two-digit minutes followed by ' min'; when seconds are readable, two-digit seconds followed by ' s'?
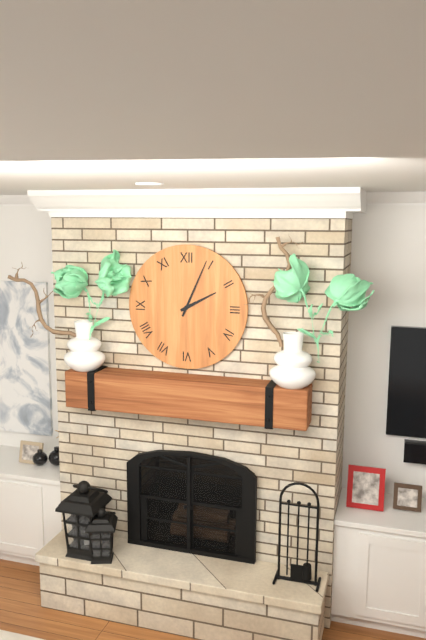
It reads 2 h 04 min
